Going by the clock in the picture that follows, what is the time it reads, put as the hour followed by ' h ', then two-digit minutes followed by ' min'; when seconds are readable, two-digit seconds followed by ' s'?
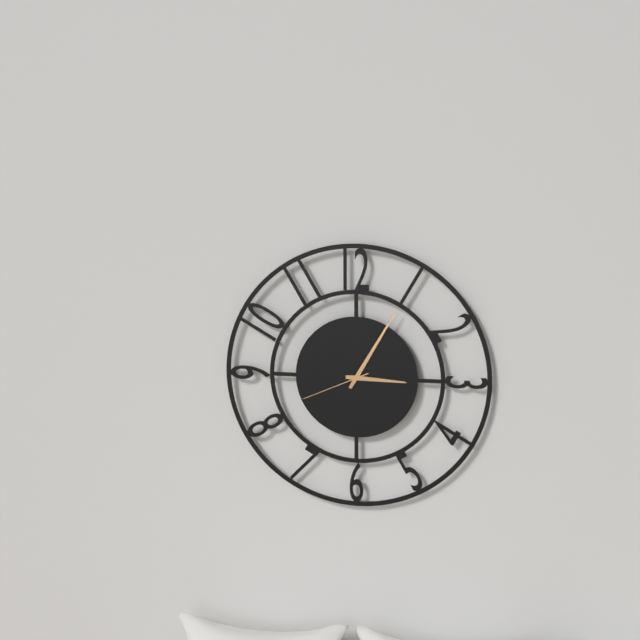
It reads 3 h 05 min 41 s
